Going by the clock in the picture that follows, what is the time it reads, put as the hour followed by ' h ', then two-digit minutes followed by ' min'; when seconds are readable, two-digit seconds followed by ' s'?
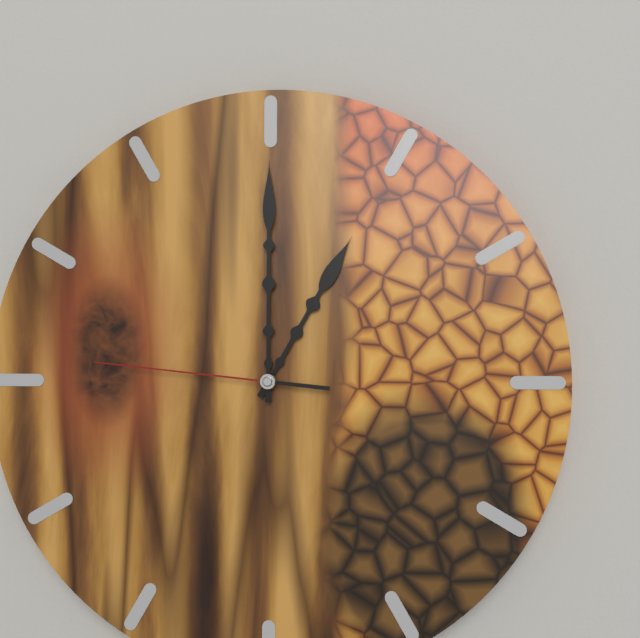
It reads 1 h 00 min 46 s
